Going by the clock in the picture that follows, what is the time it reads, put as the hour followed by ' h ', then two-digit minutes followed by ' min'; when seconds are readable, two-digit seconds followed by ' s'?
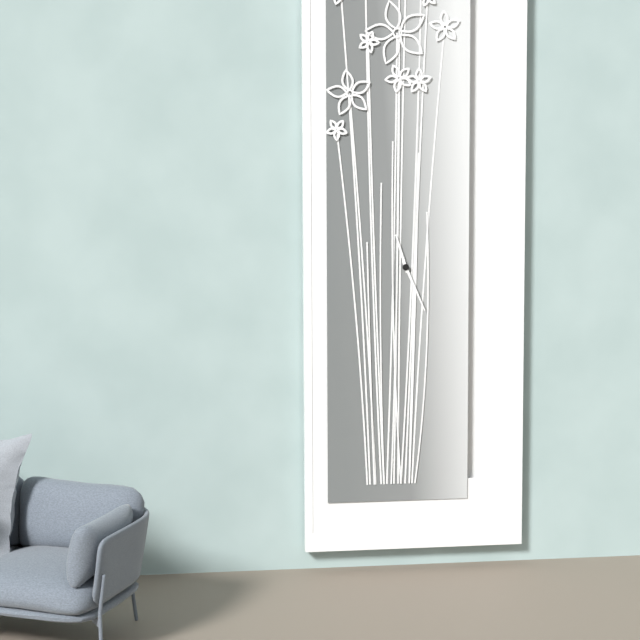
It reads 11 h 26 min
